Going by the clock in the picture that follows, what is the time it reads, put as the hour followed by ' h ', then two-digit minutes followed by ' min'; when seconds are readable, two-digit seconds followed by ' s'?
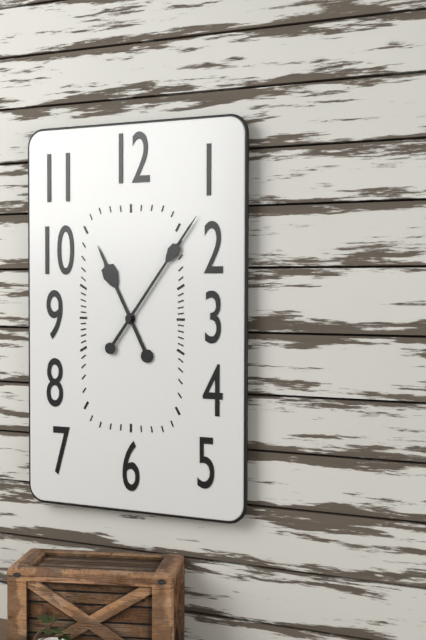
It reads 11 h 06 min
